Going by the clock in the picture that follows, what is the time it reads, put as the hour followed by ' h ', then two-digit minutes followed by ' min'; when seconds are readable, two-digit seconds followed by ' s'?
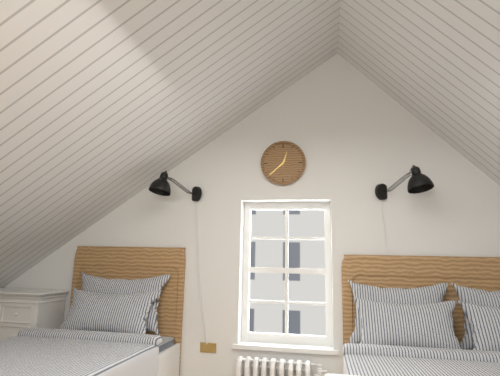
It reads 12 h 38 min
